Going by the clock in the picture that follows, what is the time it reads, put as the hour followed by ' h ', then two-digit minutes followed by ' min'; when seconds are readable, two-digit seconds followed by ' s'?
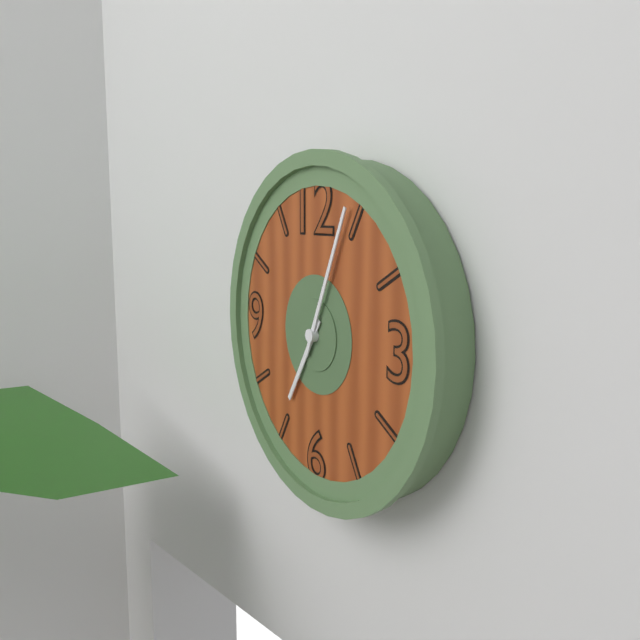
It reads 7 h 04 min
